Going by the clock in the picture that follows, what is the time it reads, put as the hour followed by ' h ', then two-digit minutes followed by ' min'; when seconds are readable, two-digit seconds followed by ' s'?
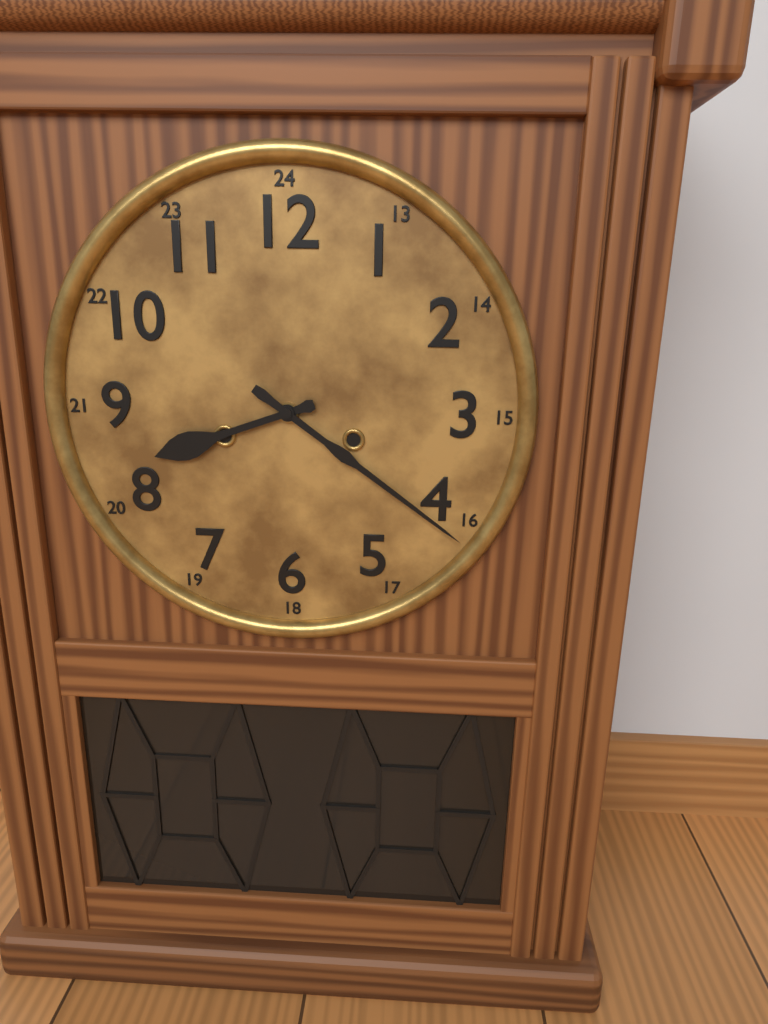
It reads 8 h 21 min
